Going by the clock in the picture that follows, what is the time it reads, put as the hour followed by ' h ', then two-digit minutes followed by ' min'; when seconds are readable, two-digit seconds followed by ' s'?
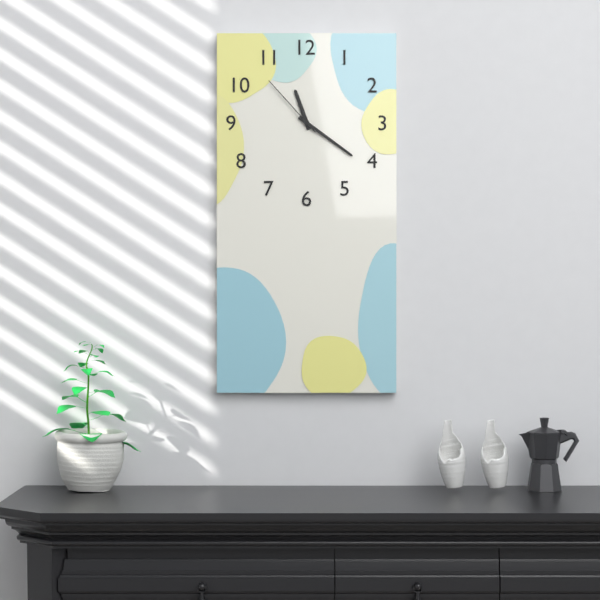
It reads 11 h 21 min 53 s
